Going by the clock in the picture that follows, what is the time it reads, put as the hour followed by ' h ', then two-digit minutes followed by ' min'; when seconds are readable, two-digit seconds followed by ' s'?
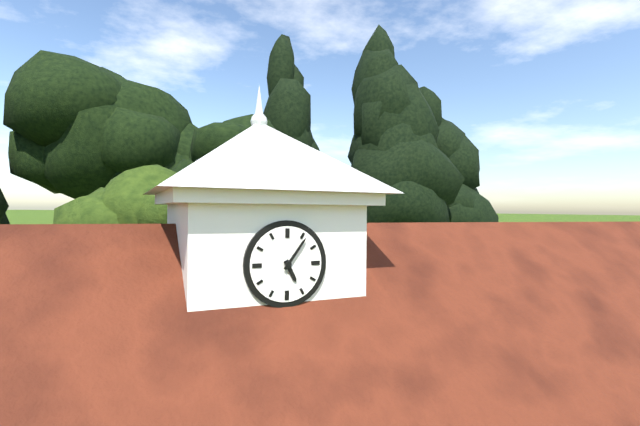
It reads 5 h 06 min
